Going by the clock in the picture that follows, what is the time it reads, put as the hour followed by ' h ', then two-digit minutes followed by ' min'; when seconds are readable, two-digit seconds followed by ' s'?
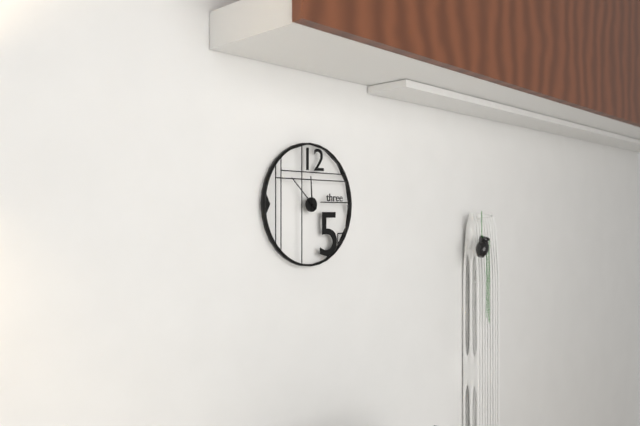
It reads 11 h 52 min
